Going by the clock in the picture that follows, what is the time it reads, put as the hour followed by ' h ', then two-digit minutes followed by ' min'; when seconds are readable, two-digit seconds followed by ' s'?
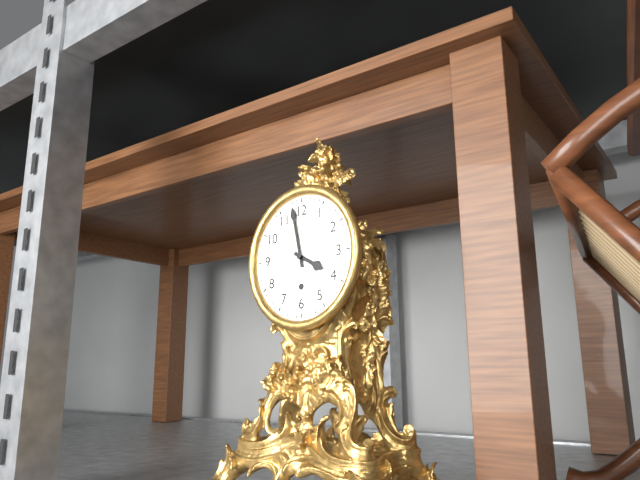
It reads 3 h 58 min
